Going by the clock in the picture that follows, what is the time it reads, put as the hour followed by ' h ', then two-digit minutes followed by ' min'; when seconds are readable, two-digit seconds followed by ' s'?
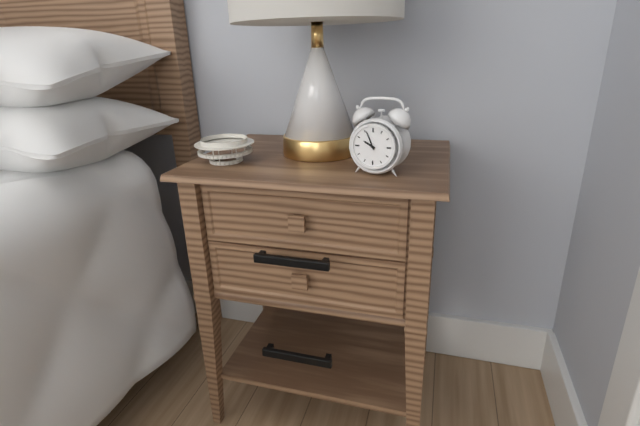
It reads 9 h 56 min
